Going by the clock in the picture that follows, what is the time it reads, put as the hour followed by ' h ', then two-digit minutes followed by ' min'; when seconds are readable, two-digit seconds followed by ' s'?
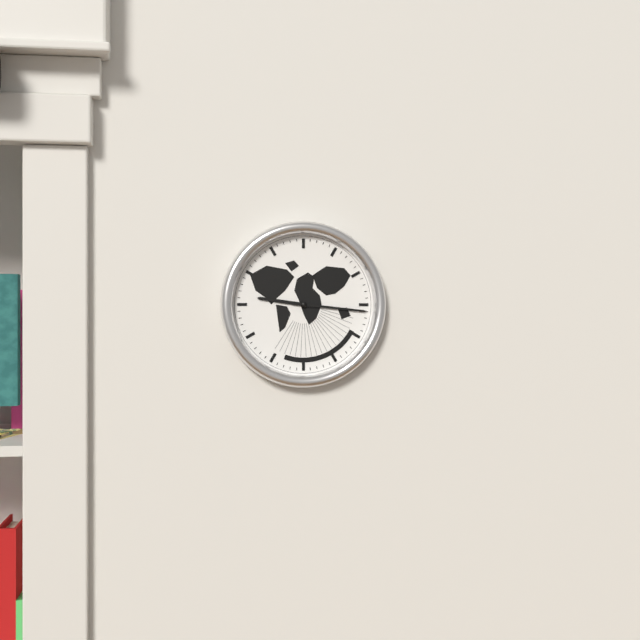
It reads 9 h 16 min
